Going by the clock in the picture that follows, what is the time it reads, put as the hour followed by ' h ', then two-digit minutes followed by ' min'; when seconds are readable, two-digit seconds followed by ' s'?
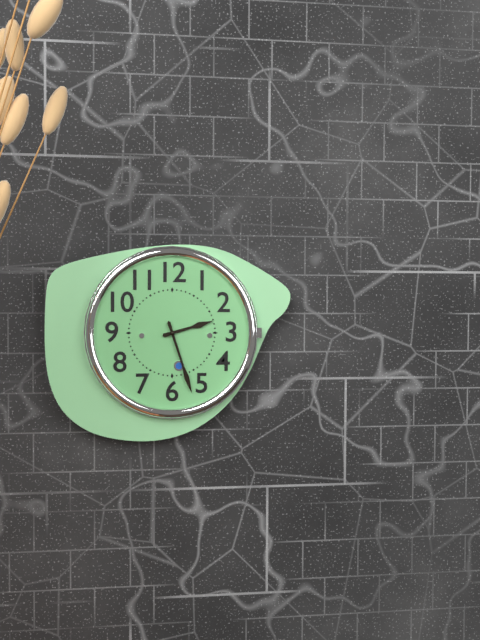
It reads 2 h 27 min
